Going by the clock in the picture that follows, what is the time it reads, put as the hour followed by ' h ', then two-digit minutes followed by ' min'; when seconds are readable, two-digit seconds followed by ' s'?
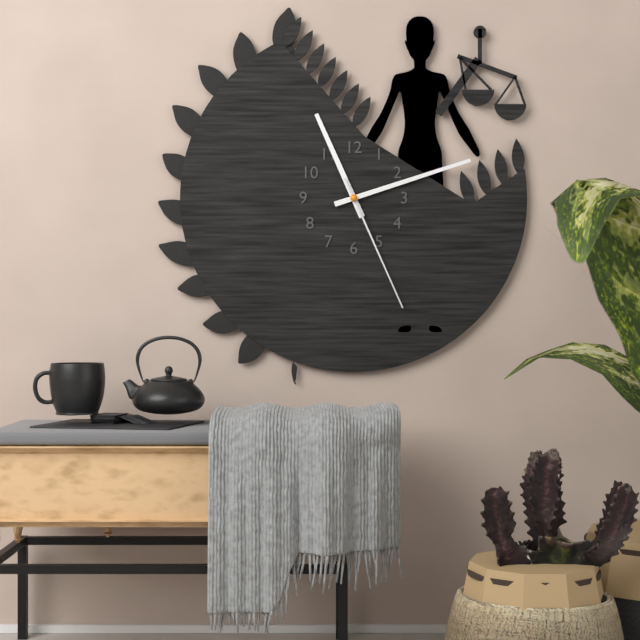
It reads 11 h 12 min 26 s
